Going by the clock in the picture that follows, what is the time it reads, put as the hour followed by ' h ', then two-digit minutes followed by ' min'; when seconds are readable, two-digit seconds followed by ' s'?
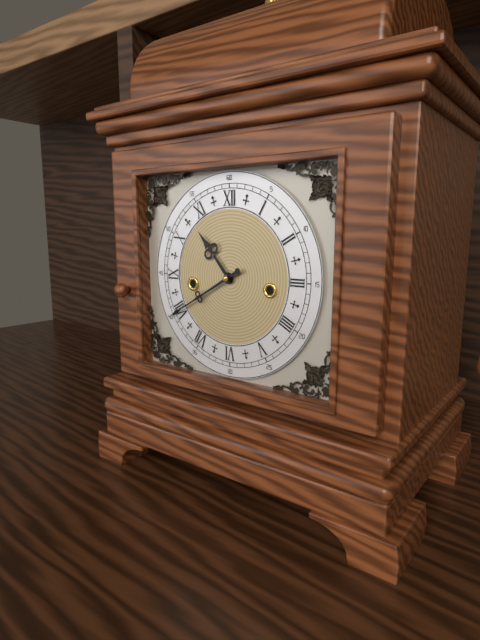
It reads 10 h 40 min
